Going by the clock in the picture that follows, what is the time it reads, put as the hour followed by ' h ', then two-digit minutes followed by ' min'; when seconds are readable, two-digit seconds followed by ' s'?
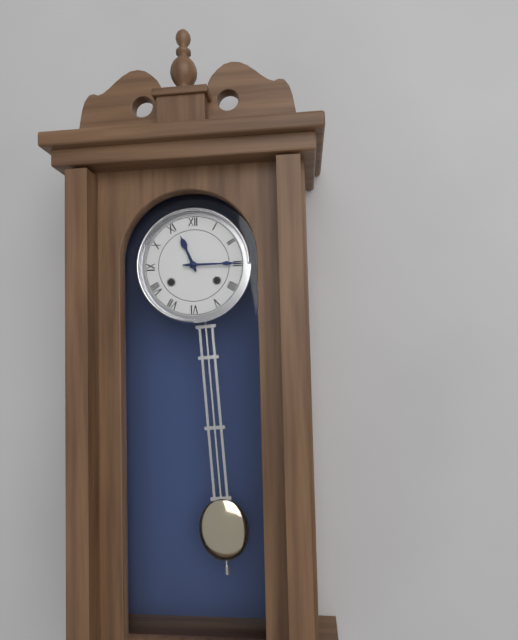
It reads 11 h 15 min
